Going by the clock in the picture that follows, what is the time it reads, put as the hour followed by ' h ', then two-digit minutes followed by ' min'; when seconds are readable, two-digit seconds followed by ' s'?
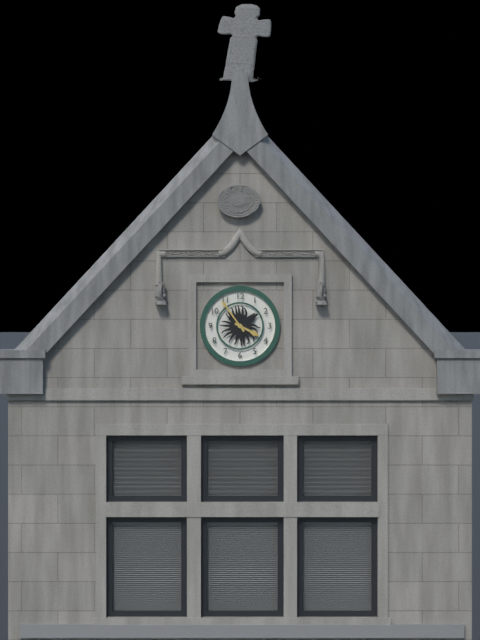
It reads 3 h 54 min
